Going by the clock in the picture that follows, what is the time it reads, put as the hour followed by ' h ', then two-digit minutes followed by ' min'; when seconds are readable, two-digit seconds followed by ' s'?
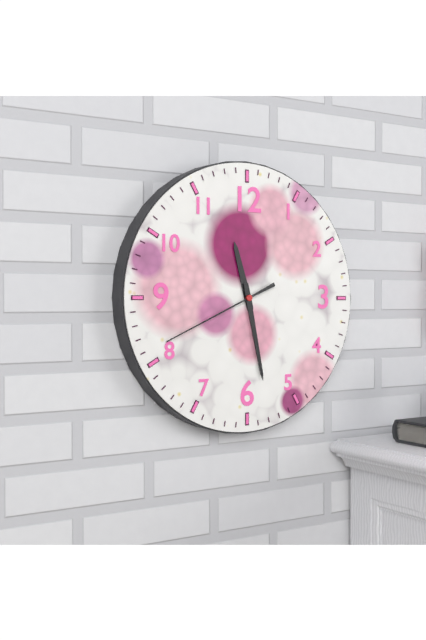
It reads 11 h 28 min 41 s
